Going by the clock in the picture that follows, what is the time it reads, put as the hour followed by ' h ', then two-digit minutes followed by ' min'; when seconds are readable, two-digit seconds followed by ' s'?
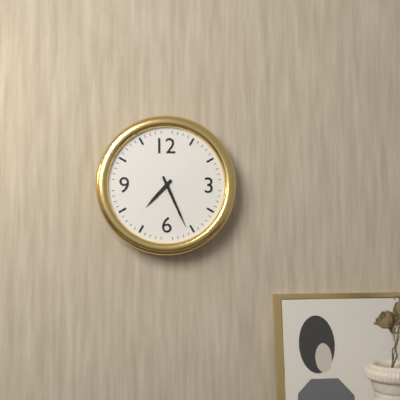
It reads 7 h 26 min
